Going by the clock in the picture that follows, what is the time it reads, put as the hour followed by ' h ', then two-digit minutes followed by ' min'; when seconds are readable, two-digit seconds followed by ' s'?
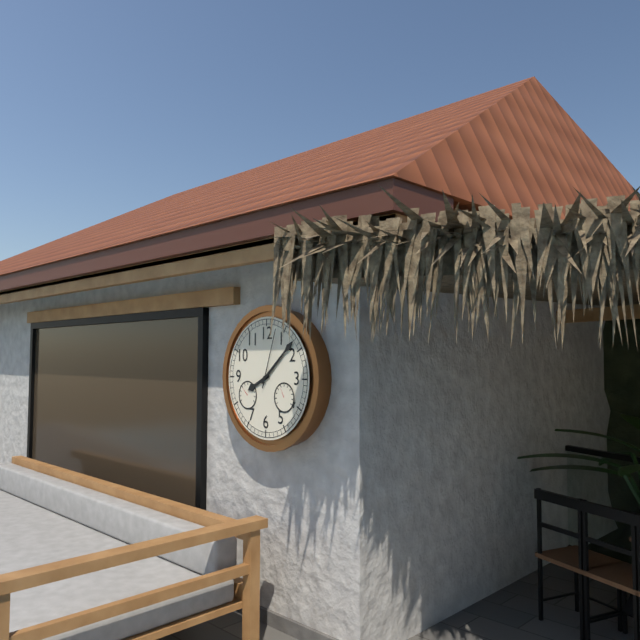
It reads 8 h 08 min 03 s
